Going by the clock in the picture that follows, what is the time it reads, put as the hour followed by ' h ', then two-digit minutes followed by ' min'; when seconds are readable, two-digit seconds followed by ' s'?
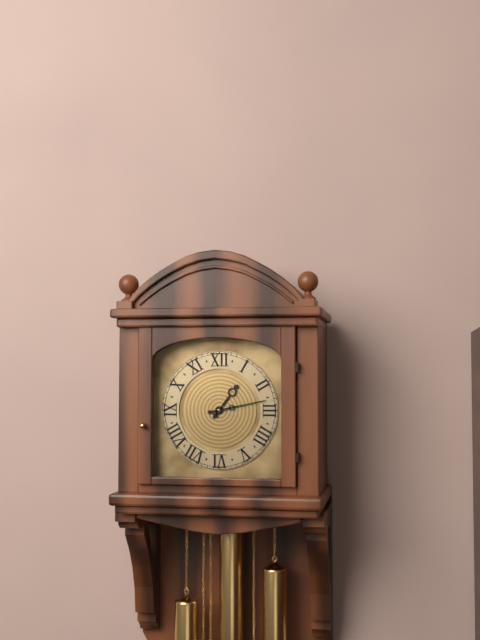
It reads 1 h 13 min
